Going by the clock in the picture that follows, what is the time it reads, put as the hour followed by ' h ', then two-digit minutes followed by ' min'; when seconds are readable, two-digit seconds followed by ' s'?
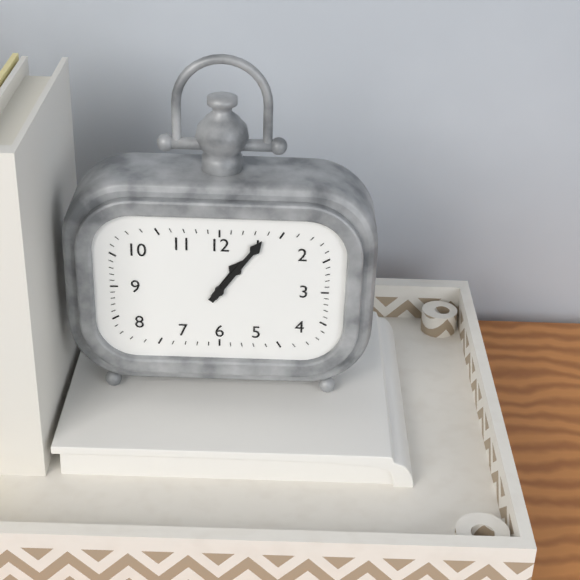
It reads 1 h 06 min
